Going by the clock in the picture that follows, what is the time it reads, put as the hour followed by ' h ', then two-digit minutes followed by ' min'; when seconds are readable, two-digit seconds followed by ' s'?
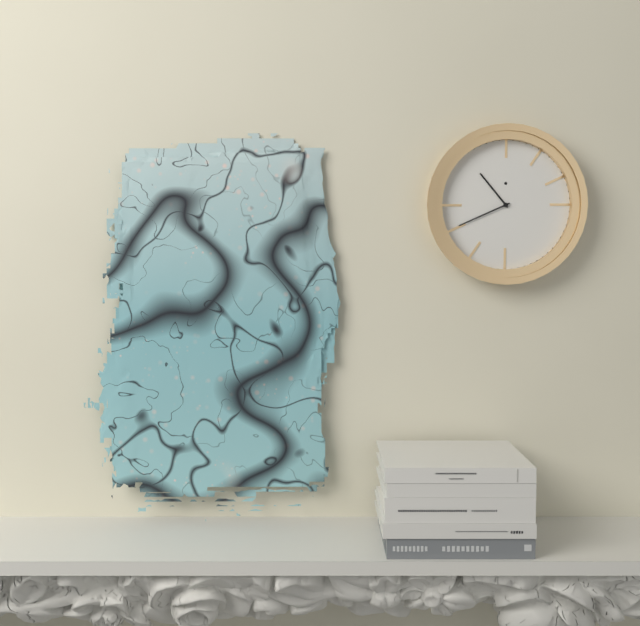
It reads 10 h 41 min
